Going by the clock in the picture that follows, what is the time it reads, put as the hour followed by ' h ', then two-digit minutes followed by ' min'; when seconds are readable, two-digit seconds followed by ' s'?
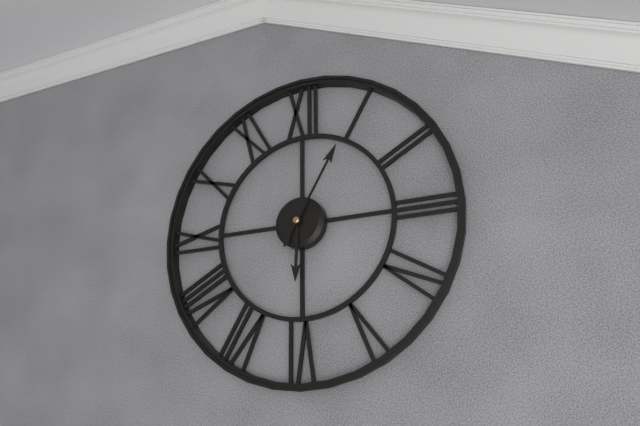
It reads 6 h 05 min
